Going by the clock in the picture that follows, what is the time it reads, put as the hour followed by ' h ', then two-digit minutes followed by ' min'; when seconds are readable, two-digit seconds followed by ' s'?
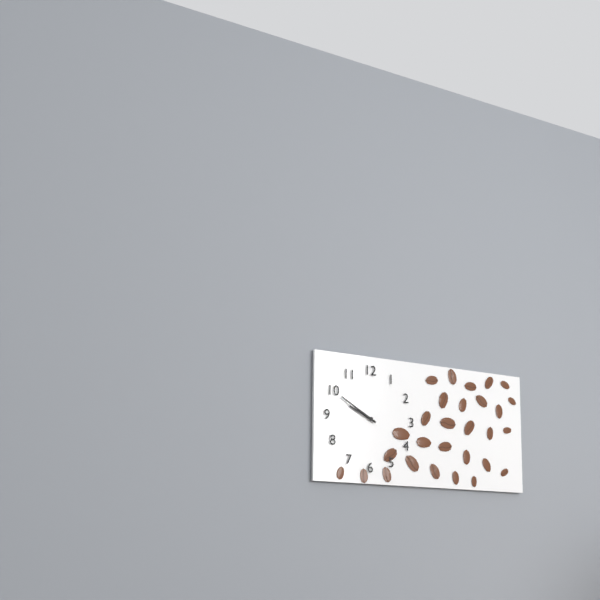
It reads 9 h 50 min
